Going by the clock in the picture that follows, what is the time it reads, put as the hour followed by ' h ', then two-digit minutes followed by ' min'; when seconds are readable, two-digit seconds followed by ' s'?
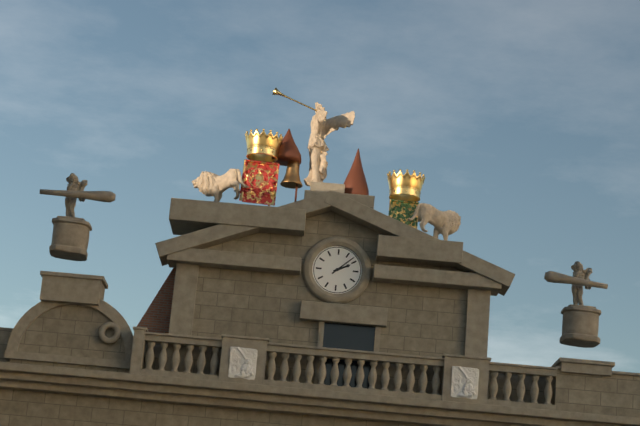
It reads 2 h 08 min
